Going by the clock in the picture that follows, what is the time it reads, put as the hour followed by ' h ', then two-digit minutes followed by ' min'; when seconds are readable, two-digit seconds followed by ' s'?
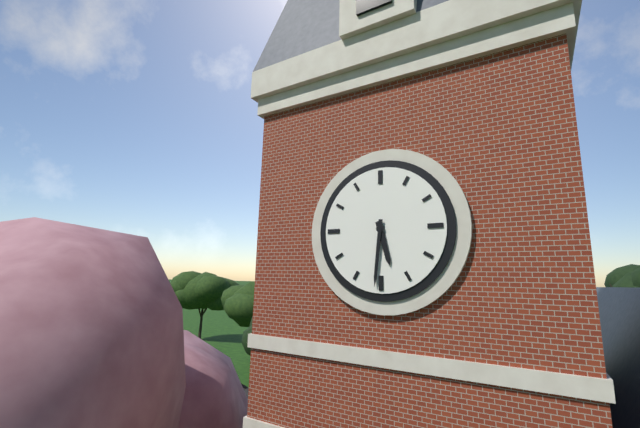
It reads 5 h 31 min
